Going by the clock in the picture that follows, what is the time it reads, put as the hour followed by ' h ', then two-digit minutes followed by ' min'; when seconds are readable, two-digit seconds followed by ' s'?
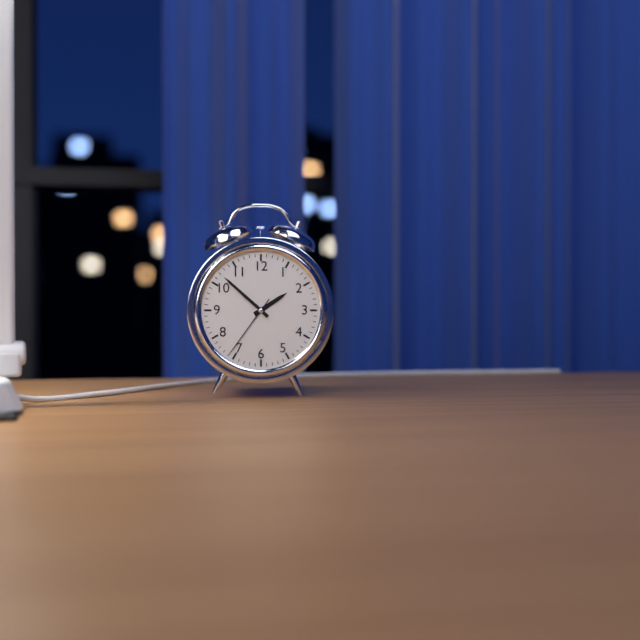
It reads 1 h 52 min 36 s
